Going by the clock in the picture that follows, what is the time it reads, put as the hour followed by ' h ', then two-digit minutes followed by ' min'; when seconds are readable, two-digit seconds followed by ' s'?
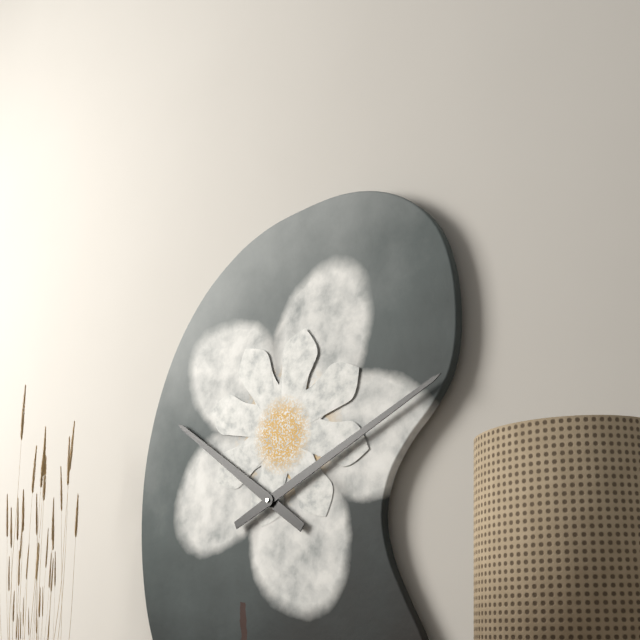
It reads 10 h 11 min
